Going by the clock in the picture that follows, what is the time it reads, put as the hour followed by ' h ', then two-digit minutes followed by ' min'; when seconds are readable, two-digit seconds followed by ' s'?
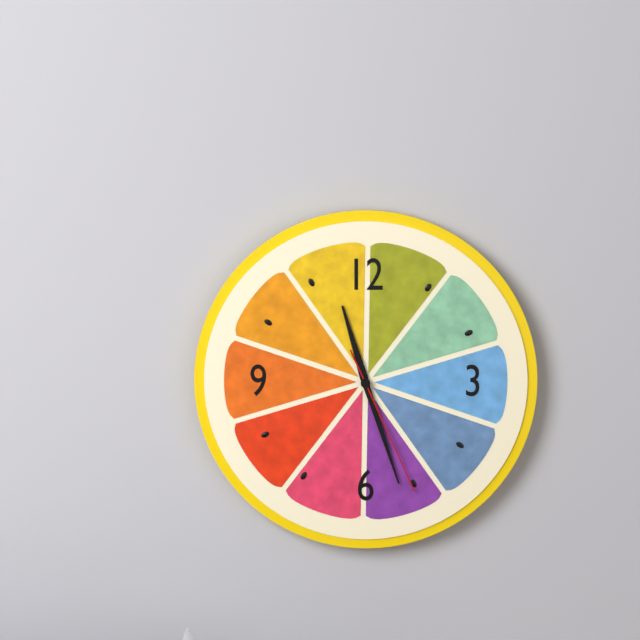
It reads 11 h 27 min 26 s
